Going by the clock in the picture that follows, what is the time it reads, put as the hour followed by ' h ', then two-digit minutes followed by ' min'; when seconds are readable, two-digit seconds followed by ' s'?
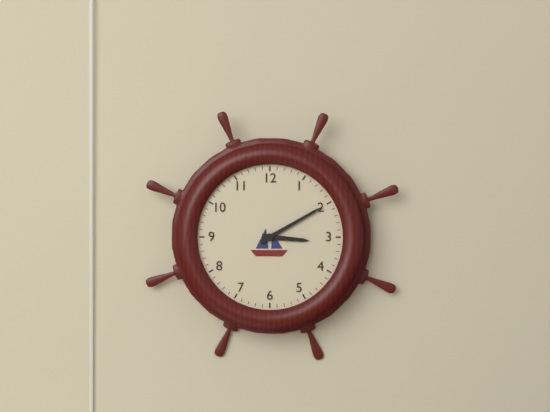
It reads 3 h 10 min
